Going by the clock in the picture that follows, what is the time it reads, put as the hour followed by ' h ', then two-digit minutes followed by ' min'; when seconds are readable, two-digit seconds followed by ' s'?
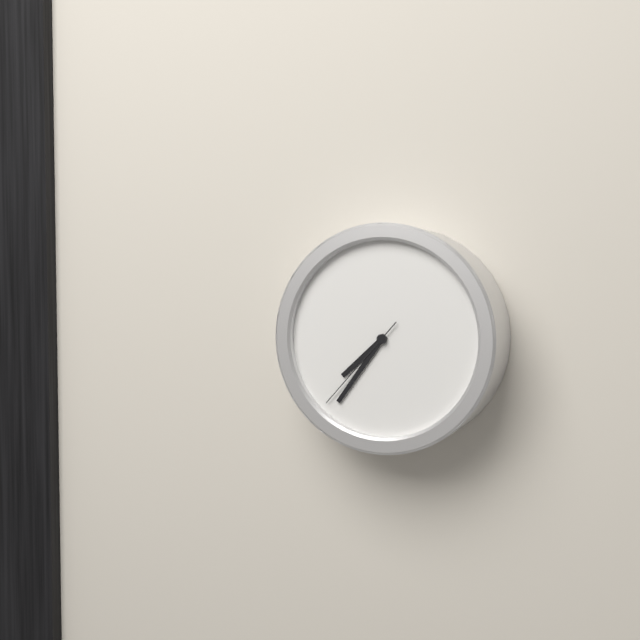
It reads 7 h 36 min 37 s
